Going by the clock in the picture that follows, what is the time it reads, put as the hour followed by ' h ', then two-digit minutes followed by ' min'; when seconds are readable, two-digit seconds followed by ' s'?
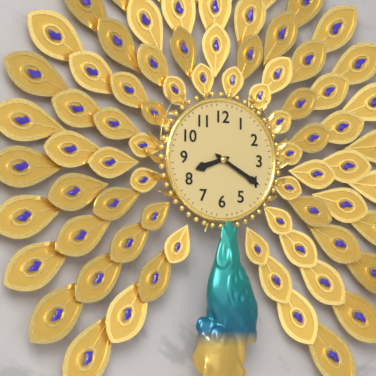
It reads 8 h 20 min
